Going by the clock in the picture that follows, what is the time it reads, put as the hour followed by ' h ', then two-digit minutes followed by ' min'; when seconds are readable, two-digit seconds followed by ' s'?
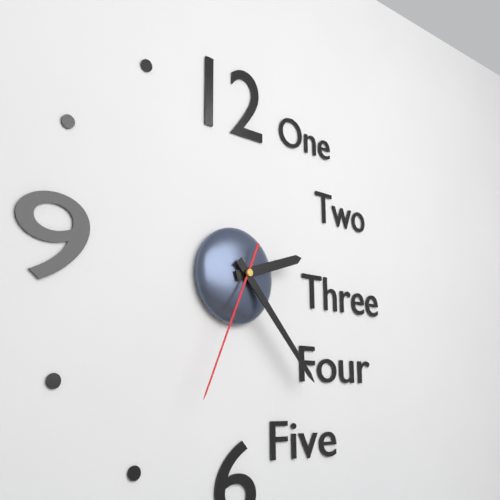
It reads 2 h 23 min 34 s
